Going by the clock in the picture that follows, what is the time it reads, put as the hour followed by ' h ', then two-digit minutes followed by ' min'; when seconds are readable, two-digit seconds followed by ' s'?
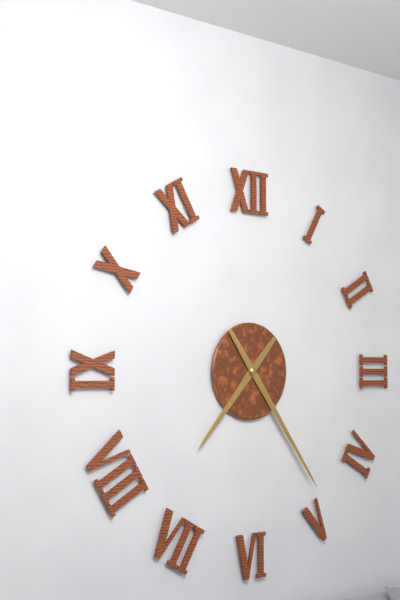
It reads 7 h 24 min
